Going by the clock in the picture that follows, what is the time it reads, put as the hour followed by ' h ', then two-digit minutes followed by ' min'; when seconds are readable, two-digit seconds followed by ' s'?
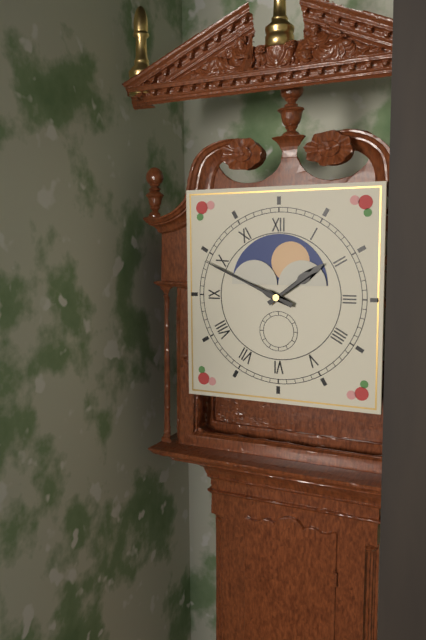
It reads 1 h 49 min
